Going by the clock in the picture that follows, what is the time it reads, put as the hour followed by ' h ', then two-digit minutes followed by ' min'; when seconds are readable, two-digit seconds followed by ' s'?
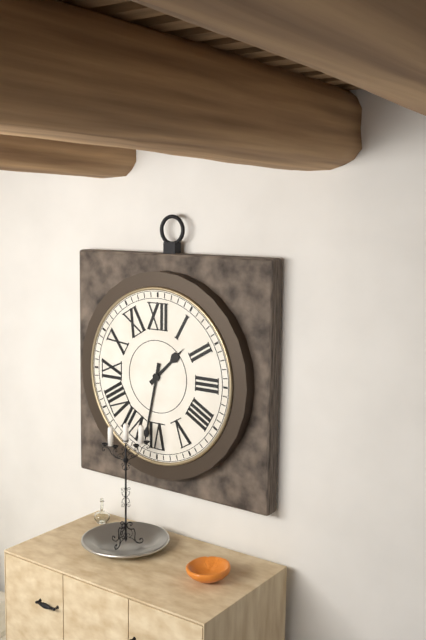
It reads 1 h 32 min
